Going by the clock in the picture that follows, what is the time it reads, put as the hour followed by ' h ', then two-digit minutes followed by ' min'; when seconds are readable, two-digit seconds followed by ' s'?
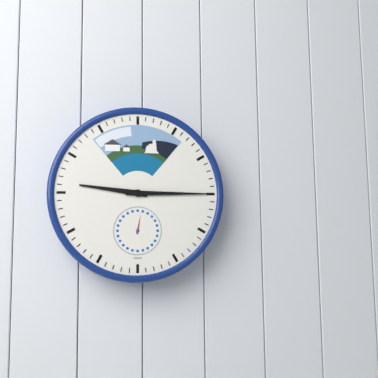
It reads 9 h 15 min
